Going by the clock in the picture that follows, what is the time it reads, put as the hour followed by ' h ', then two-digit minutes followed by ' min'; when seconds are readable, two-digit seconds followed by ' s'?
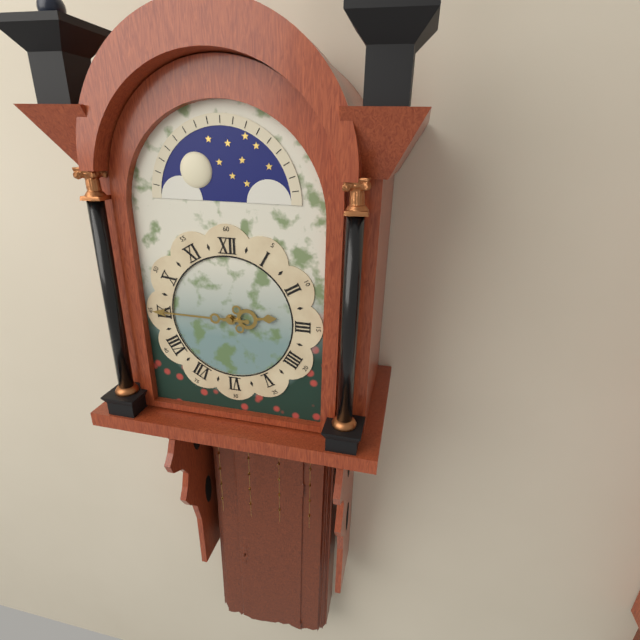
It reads 2 h 45 min
